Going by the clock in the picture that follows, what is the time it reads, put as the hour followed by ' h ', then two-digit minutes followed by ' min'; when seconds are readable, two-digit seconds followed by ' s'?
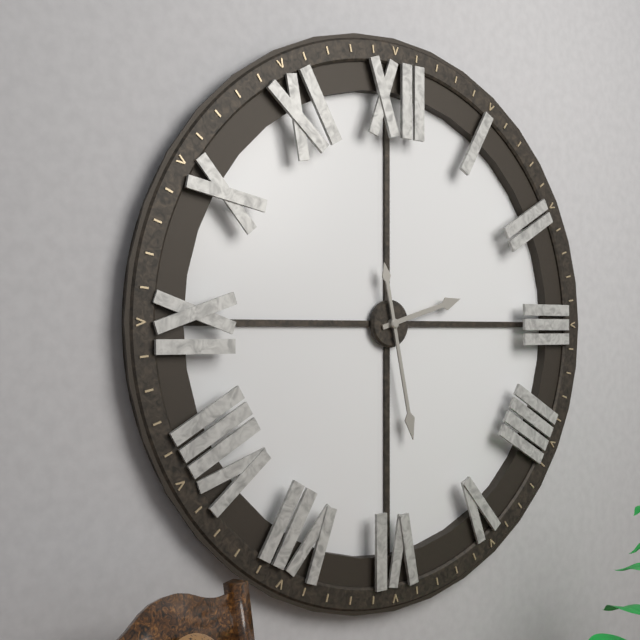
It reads 2 h 28 min
